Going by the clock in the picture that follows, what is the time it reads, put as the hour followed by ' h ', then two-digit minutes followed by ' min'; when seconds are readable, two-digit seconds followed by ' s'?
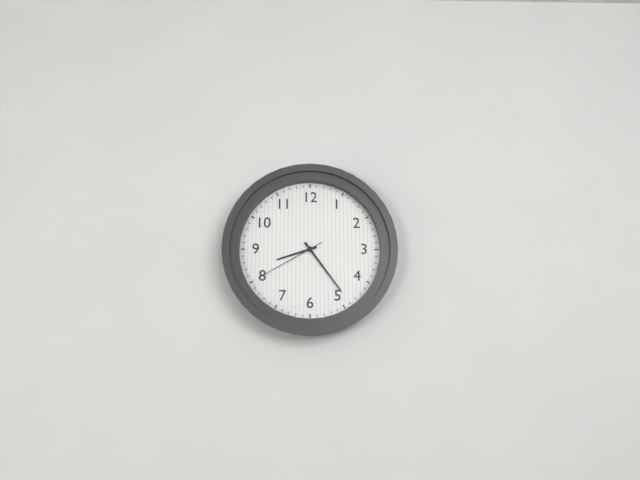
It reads 8 h 24 min 40 s
